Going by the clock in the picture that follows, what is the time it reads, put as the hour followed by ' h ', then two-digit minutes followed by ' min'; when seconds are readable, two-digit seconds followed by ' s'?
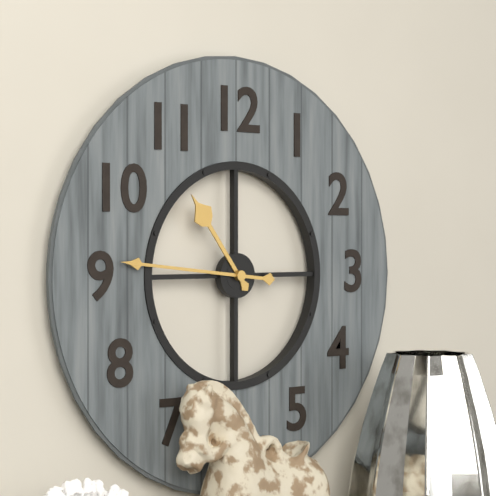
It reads 10 h 46 min
